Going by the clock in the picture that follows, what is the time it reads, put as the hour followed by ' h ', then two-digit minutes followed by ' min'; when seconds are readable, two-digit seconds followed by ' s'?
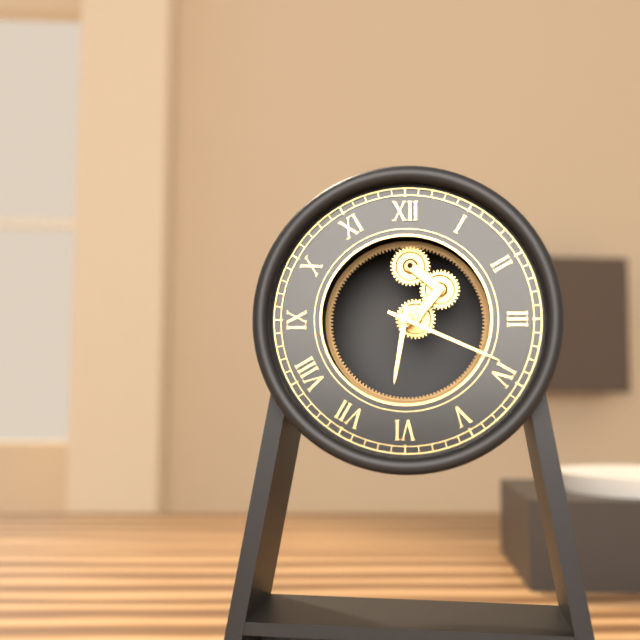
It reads 6 h 19 min
